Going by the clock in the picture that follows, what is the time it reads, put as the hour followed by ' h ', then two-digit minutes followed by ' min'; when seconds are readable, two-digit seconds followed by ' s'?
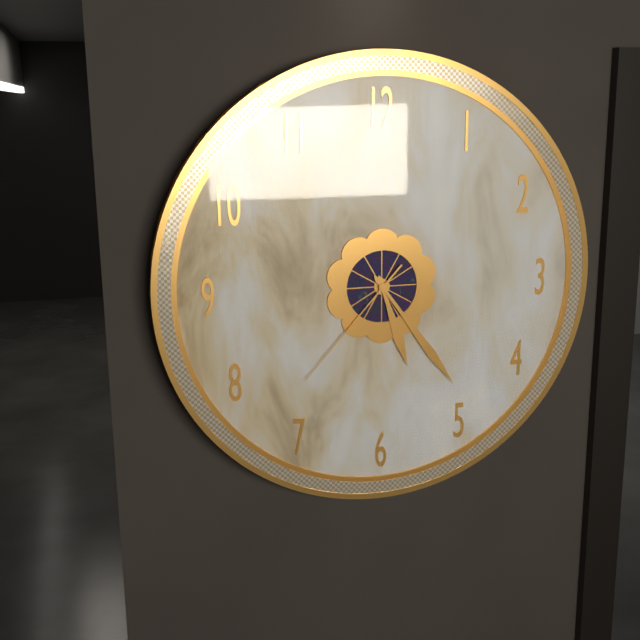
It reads 5 h 24 min 37 s
